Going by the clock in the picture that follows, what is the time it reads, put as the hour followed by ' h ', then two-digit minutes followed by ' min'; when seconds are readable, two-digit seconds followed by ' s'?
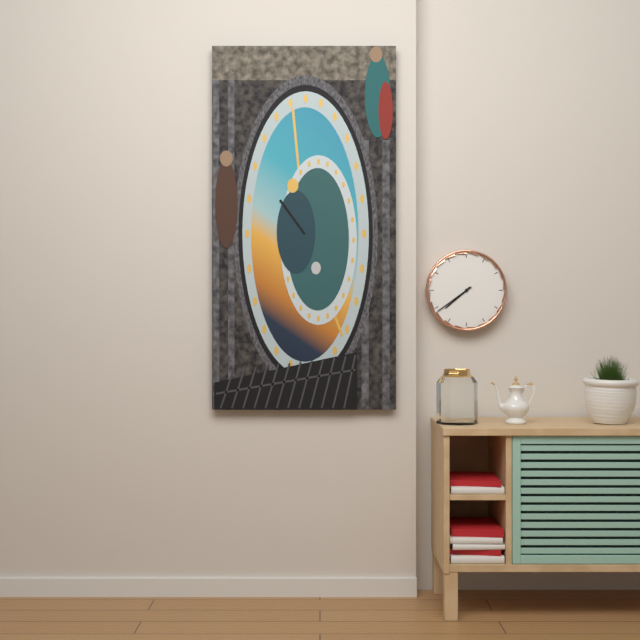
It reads 7 h 39 min
